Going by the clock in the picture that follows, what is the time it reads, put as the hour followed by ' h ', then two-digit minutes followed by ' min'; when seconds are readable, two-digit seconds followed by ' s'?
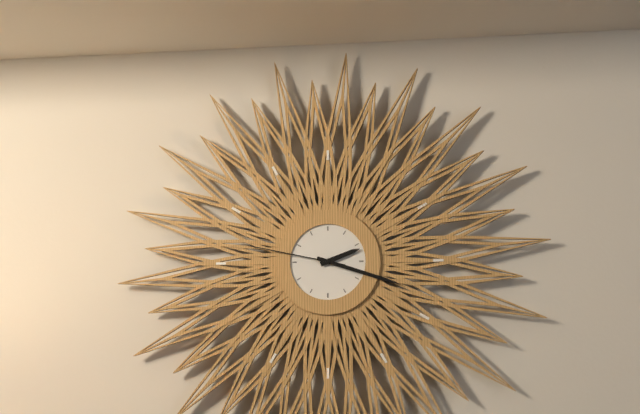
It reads 2 h 18 min 47 s
